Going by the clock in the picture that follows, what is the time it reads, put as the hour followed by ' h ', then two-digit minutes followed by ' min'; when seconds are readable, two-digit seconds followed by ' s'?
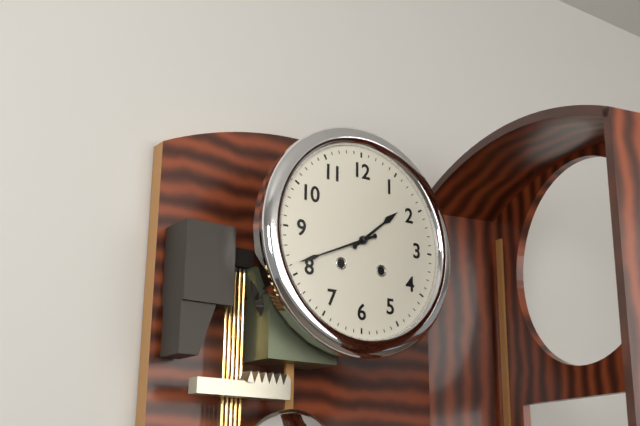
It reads 1 h 41 min
